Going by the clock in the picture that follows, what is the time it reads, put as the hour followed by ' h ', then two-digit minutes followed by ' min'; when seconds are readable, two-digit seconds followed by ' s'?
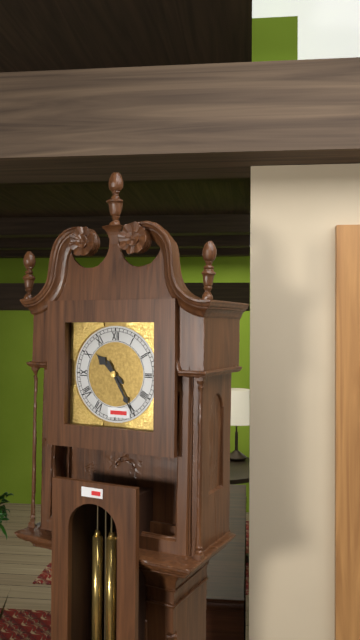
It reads 10 h 25 min
